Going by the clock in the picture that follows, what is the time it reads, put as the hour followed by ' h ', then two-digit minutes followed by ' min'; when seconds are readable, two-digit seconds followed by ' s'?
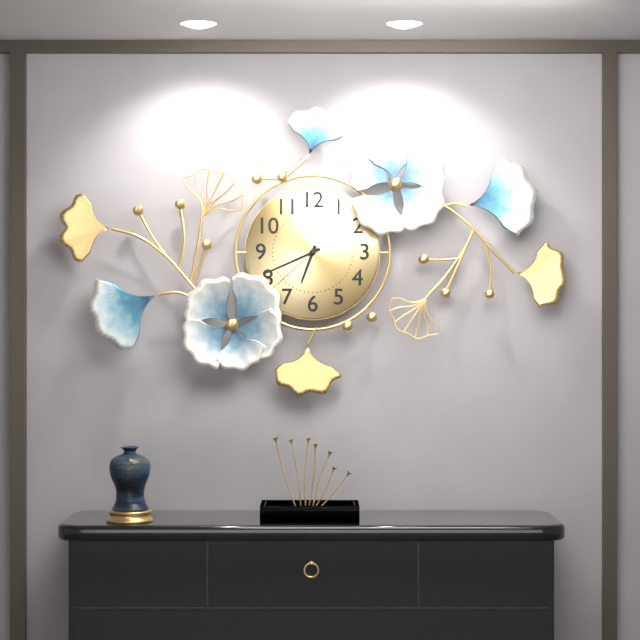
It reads 6 h 41 min 38 s
